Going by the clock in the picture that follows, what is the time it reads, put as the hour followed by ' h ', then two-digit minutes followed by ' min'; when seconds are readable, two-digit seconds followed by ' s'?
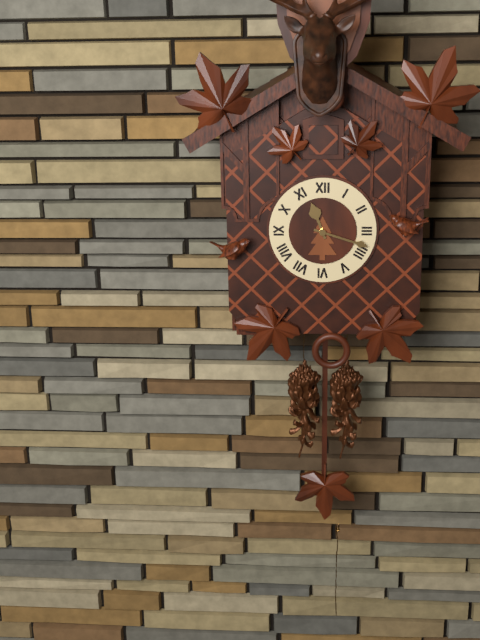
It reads 11 h 18 min
